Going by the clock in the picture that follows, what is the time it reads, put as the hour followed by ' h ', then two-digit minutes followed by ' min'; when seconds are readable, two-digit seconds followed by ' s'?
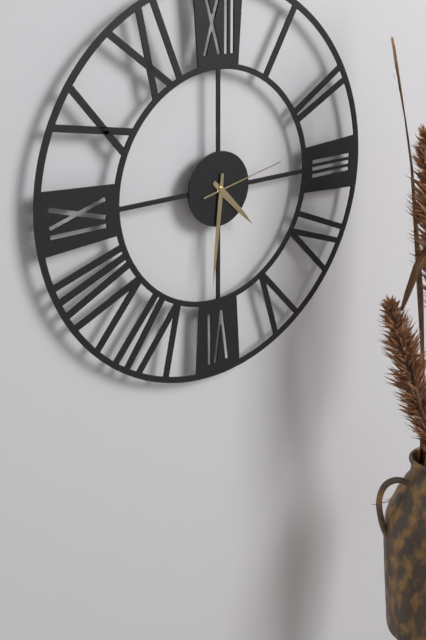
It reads 4 h 31 min 13 s
